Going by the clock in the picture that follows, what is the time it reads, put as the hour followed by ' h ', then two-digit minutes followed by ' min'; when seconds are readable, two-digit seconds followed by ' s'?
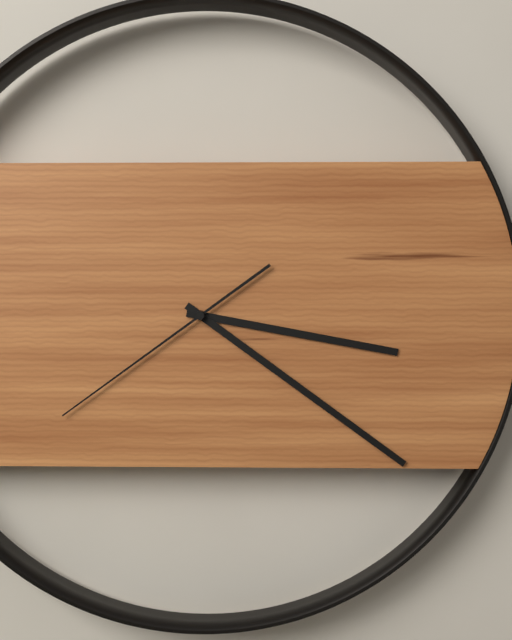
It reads 3 h 21 min 39 s
